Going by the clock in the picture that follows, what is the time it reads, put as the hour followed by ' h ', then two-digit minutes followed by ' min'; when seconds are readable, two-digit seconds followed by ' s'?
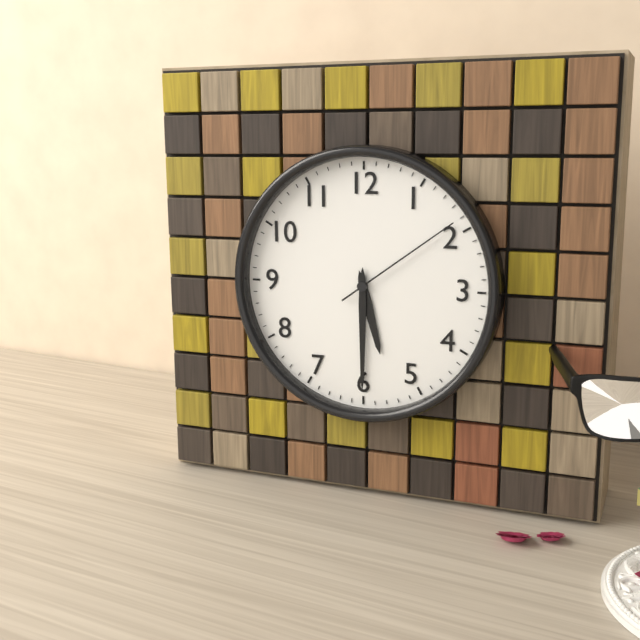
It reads 5 h 30 min 09 s
